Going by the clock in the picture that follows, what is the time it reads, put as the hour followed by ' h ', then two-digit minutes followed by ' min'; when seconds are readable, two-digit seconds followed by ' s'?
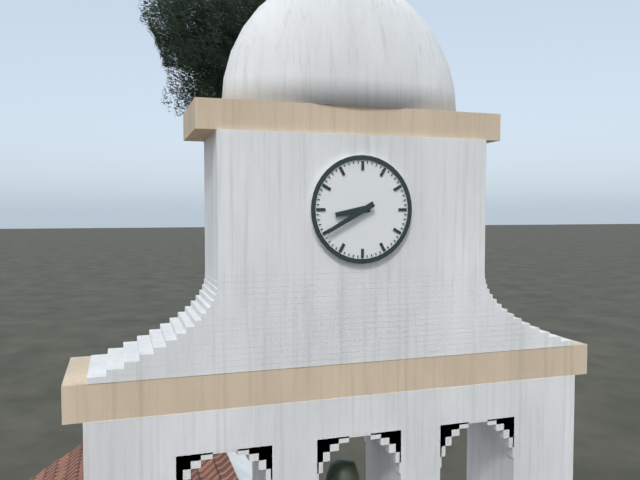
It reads 8 h 40 min
